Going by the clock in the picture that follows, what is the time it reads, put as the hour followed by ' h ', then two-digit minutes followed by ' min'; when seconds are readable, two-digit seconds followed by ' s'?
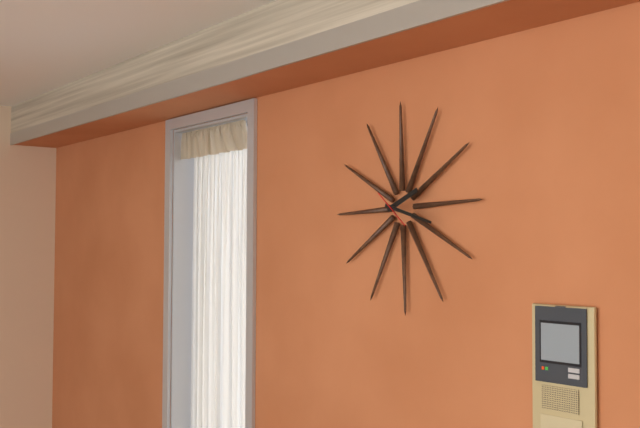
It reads 2 h 18 min
